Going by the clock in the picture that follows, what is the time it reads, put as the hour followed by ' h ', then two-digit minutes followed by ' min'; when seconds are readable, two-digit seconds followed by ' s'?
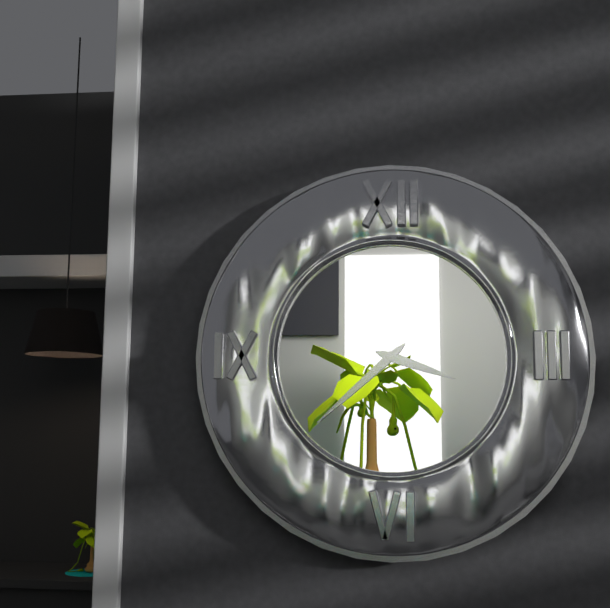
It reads 3 h 38 min
